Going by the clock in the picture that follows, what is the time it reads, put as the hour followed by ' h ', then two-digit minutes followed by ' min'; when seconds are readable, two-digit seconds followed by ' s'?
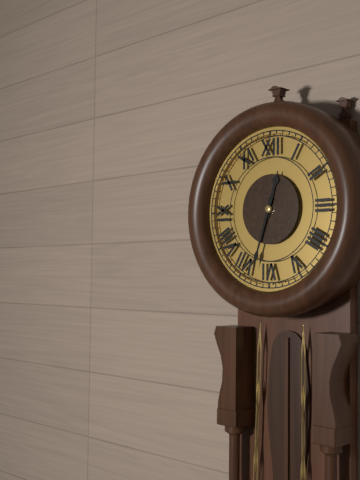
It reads 12 h 33 min
